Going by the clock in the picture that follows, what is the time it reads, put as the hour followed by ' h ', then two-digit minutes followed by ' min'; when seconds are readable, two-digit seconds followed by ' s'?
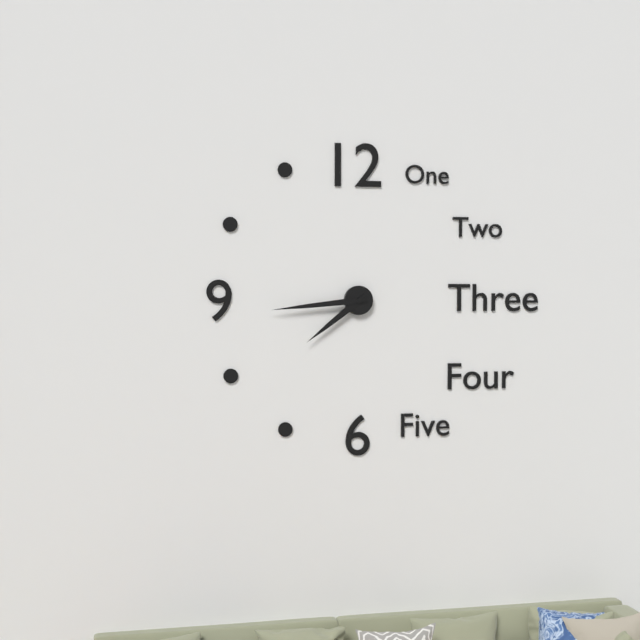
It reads 7 h 44 min
